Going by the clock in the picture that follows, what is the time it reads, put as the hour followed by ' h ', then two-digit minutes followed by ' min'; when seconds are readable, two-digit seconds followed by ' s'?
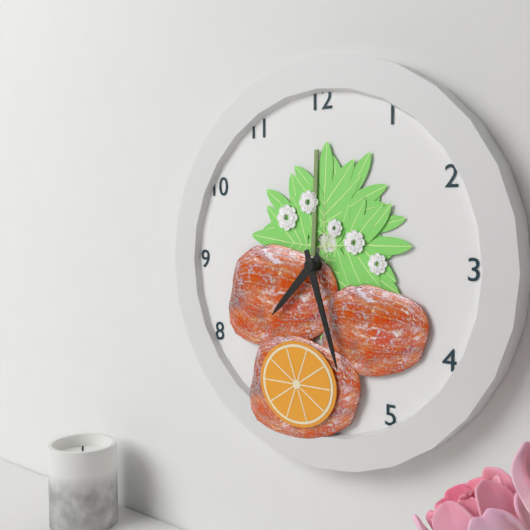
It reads 7 h 27 min
